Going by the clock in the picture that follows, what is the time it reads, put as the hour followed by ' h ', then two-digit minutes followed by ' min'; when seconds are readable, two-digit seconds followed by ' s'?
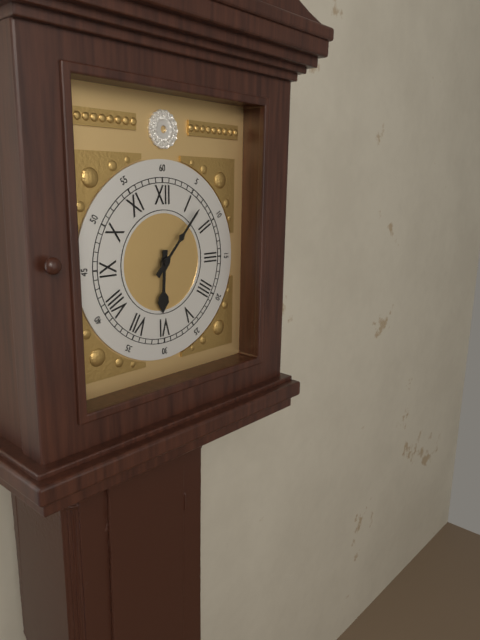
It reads 6 h 07 min
